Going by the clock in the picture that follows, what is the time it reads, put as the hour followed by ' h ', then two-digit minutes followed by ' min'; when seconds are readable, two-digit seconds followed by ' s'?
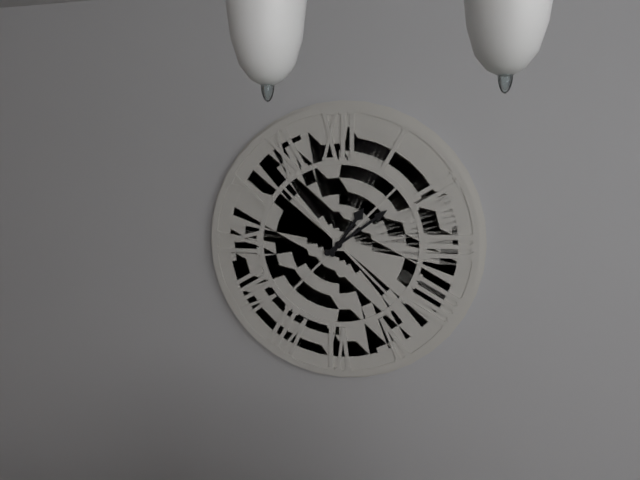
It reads 1 h 09 min
